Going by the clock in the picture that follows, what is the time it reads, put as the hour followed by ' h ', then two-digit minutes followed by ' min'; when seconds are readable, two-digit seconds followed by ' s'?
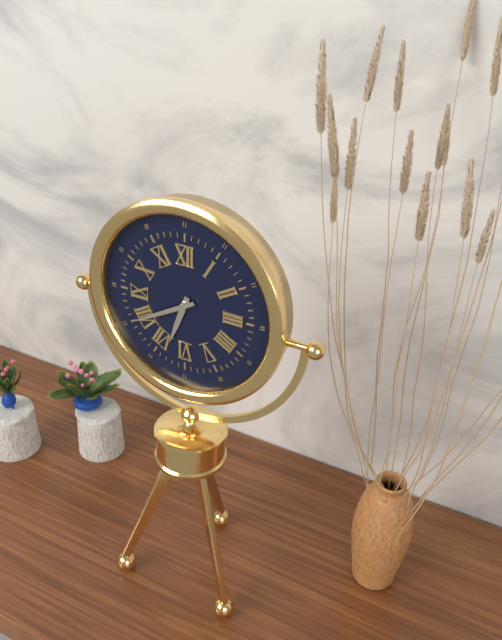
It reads 6 h 40 min
